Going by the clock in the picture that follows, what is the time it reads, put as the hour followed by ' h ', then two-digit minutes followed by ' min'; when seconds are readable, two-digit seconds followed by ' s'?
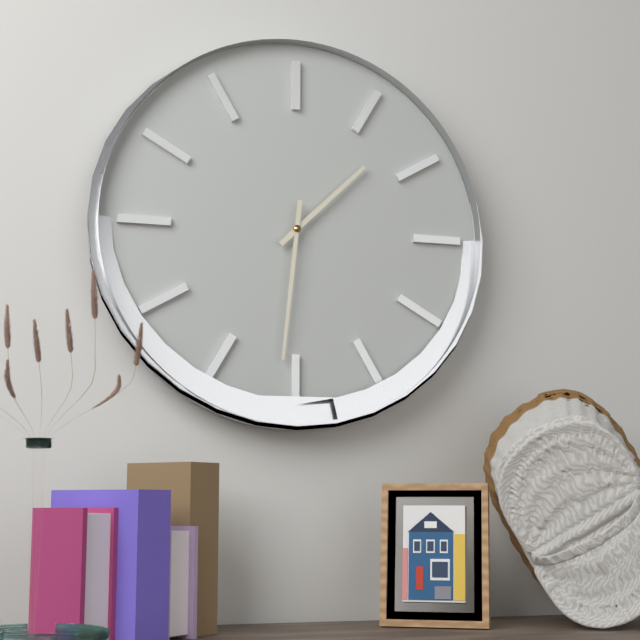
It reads 1 h 31 min
